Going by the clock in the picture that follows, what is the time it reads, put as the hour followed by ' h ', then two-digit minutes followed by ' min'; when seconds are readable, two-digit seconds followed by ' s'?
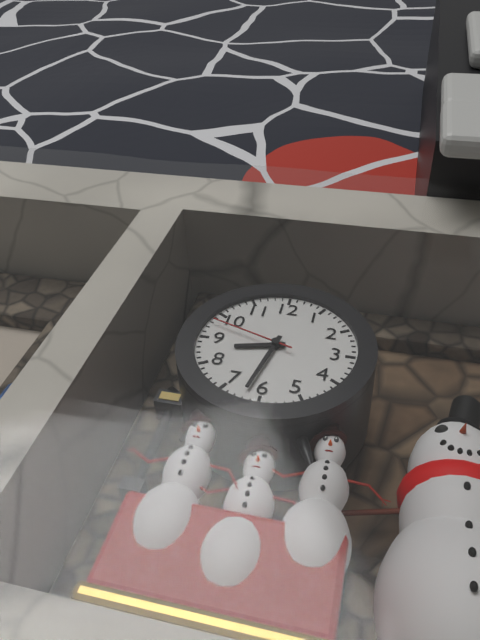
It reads 8 h 32 min 48 s
